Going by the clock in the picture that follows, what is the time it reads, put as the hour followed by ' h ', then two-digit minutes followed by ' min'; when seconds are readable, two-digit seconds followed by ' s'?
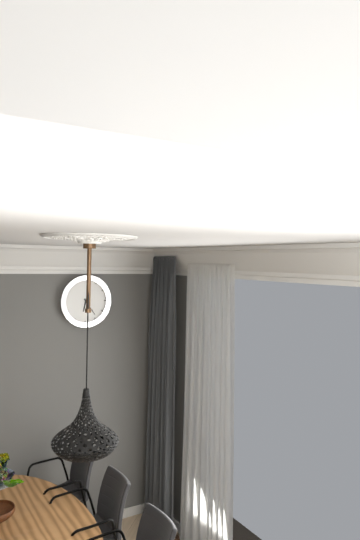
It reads 6 h 24 min
